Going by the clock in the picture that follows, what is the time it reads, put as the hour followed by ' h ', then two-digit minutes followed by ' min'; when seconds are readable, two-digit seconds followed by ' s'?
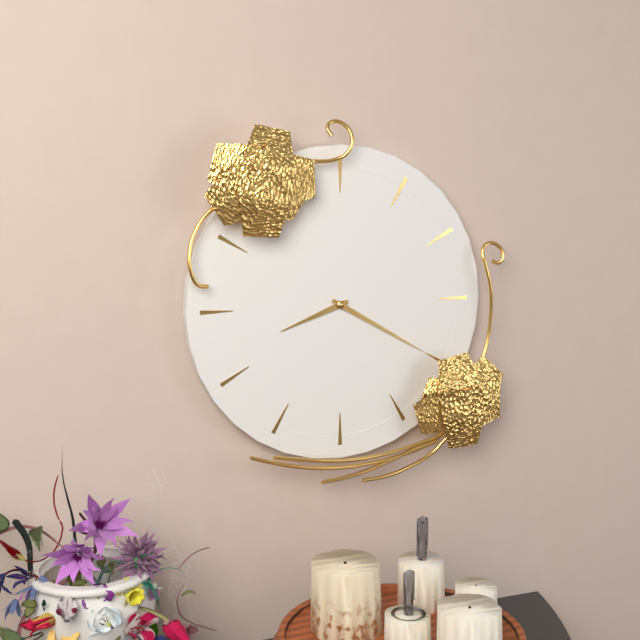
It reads 8 h 20 min
